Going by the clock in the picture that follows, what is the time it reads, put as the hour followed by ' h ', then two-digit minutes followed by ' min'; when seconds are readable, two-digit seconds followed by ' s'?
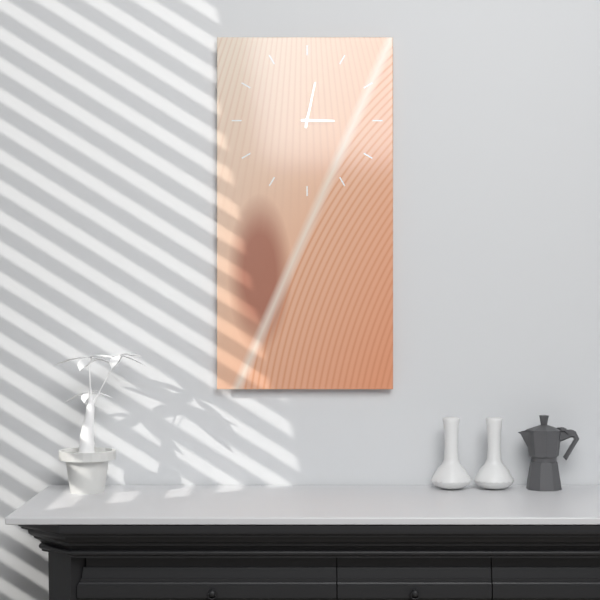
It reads 3 h 02 min
